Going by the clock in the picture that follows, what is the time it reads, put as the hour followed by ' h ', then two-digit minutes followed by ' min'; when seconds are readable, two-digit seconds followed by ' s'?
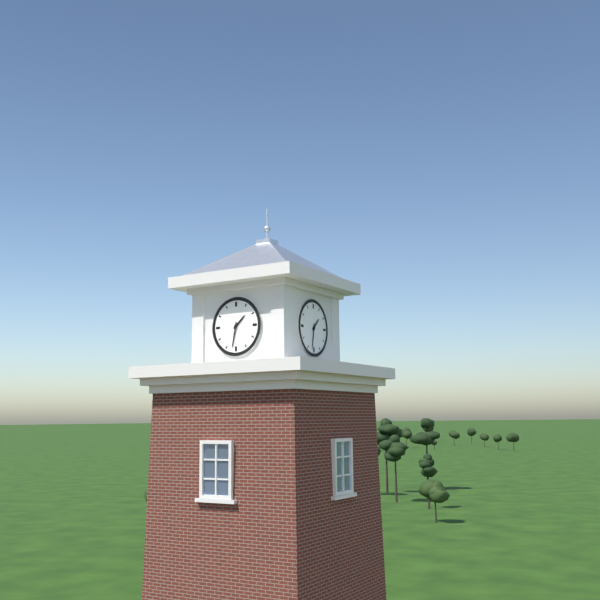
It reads 1 h 32 min
